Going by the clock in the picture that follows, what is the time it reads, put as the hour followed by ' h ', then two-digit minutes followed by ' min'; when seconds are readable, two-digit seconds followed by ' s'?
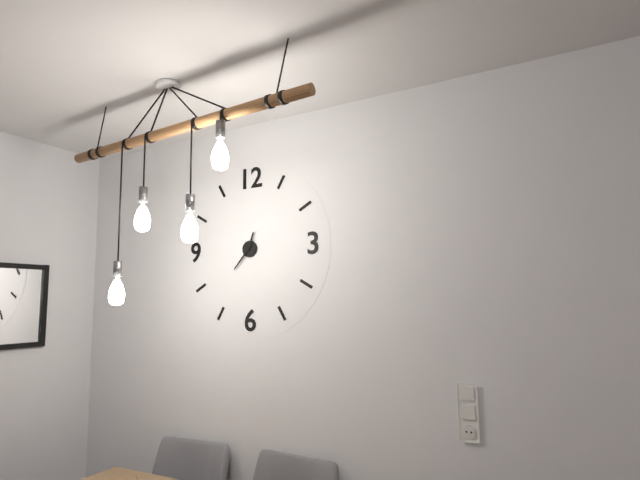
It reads 12 h 37 min
